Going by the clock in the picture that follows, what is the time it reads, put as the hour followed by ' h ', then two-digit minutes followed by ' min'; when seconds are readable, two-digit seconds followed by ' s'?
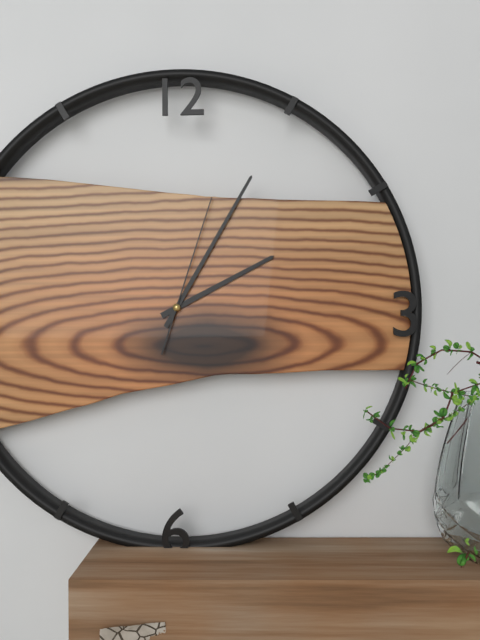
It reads 2 h 05 min 03 s
